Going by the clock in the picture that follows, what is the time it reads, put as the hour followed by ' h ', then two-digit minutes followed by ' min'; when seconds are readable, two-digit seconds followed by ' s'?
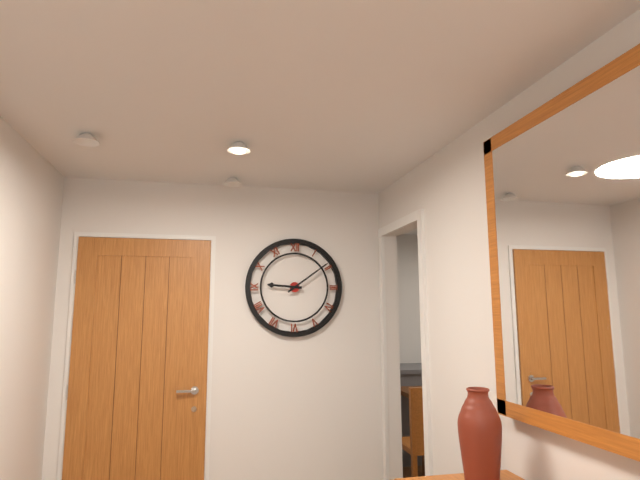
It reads 9 h 09 min
